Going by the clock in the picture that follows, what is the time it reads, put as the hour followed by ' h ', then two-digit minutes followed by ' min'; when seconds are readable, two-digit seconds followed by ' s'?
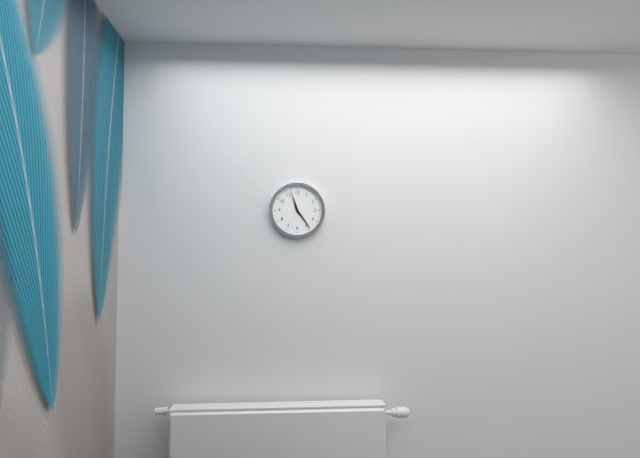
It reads 11 h 24 min
